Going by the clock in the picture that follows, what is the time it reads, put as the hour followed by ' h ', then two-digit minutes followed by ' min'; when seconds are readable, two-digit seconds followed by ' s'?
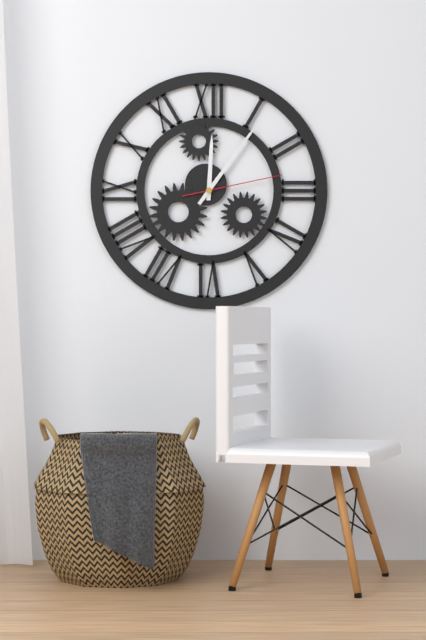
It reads 12 h 06 min 13 s
